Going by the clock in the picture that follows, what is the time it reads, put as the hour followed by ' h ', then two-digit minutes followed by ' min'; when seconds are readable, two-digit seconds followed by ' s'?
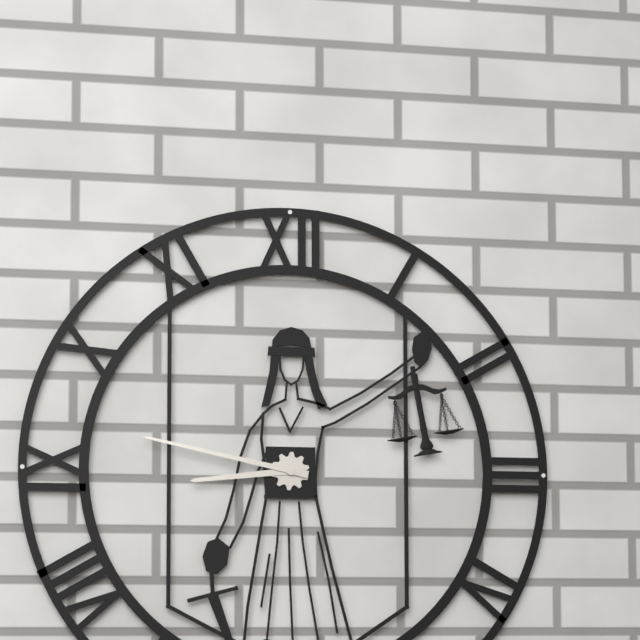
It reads 8 h 47 min
